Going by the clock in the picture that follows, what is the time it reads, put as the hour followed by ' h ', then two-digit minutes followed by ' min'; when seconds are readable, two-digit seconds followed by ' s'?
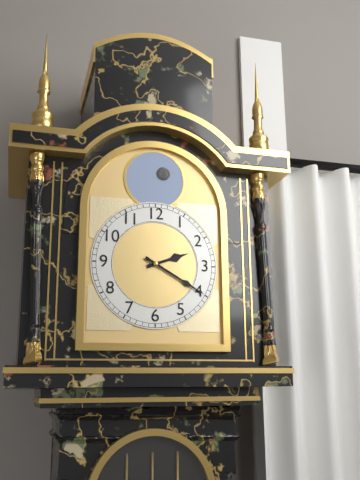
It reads 2 h 20 min
